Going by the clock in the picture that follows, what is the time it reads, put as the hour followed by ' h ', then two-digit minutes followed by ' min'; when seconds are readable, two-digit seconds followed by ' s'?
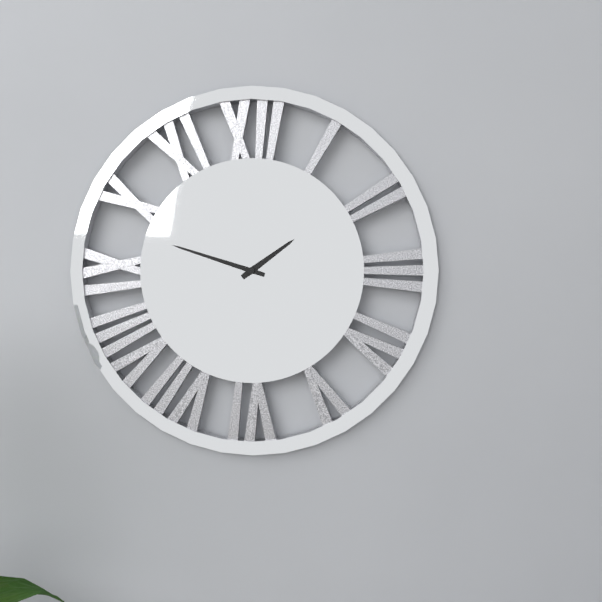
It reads 1 h 48 min
